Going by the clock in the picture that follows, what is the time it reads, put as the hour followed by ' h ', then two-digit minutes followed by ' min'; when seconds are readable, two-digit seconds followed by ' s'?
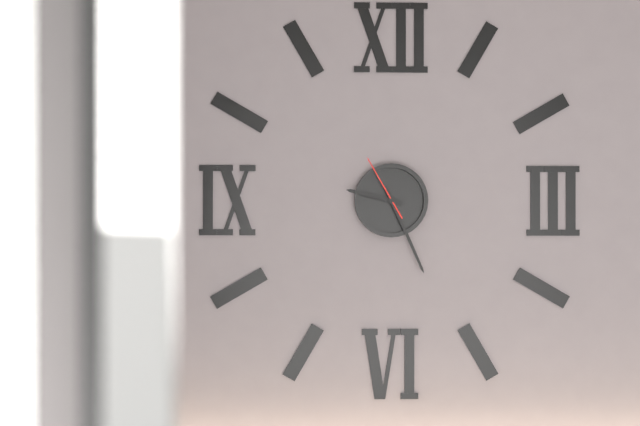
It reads 9 h 26 min 55 s
